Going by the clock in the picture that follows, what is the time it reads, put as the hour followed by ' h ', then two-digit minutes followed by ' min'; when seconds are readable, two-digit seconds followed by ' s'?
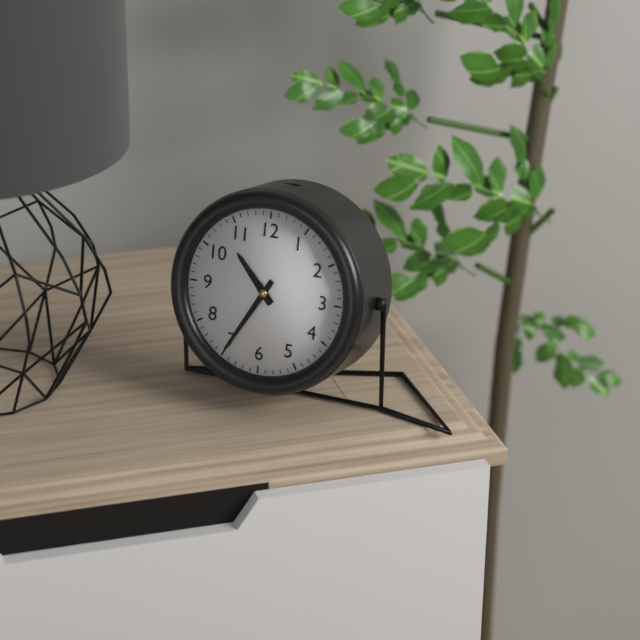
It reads 10 h 35 min
